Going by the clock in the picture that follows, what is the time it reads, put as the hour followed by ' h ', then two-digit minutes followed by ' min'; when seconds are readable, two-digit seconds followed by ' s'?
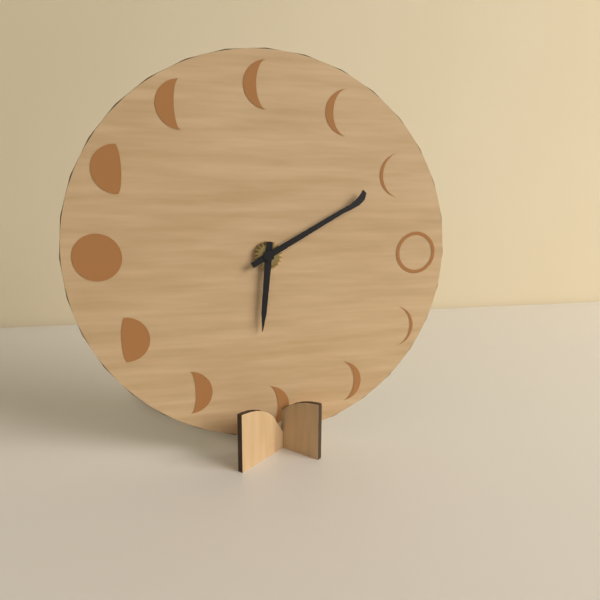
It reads 6 h 10 min
